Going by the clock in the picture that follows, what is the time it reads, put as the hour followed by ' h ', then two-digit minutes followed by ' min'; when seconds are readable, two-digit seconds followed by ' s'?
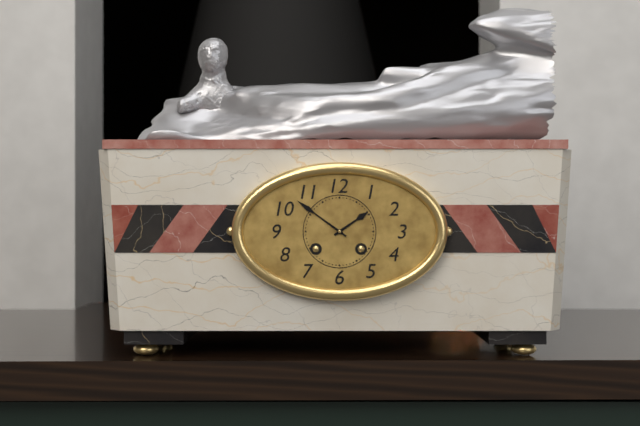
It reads 1 h 51 min
